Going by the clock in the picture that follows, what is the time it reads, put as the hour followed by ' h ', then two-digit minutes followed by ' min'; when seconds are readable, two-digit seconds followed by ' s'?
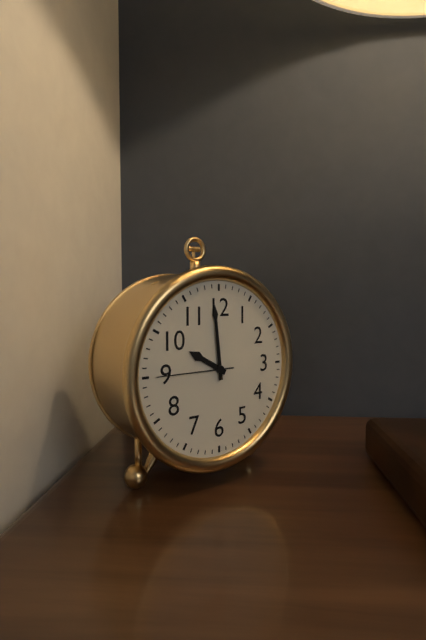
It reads 9 h 59 min 45 s
